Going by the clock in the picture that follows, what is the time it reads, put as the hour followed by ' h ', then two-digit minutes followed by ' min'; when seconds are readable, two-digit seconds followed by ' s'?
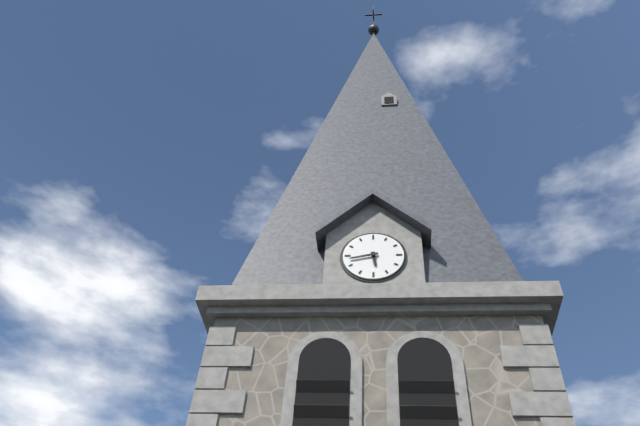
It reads 5 h 43 min
